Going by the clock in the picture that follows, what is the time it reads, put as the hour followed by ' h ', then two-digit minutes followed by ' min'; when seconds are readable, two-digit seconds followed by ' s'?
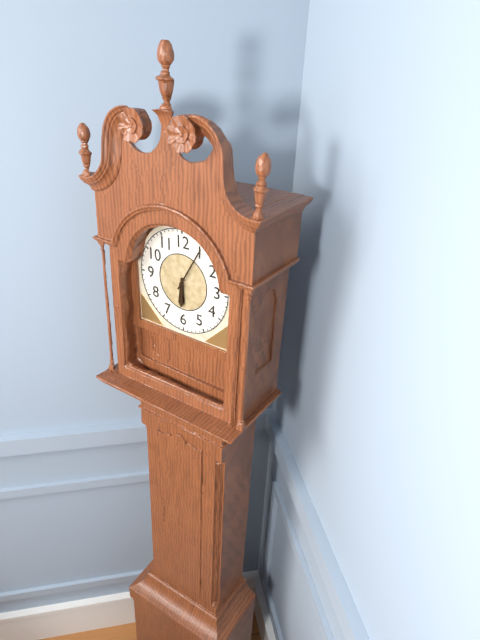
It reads 6 h 05 min
